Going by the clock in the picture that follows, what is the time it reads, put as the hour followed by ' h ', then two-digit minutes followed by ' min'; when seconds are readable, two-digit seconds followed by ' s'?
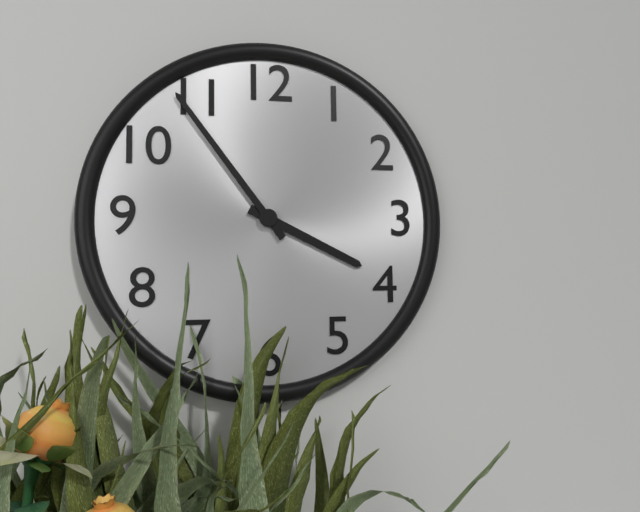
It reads 3 h 54 min
